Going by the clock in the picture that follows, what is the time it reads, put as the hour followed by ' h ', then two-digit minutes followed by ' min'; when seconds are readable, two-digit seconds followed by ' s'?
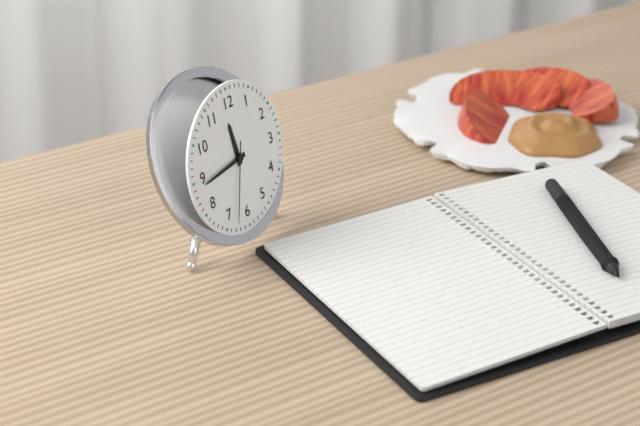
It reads 11 h 44 min 33 s
